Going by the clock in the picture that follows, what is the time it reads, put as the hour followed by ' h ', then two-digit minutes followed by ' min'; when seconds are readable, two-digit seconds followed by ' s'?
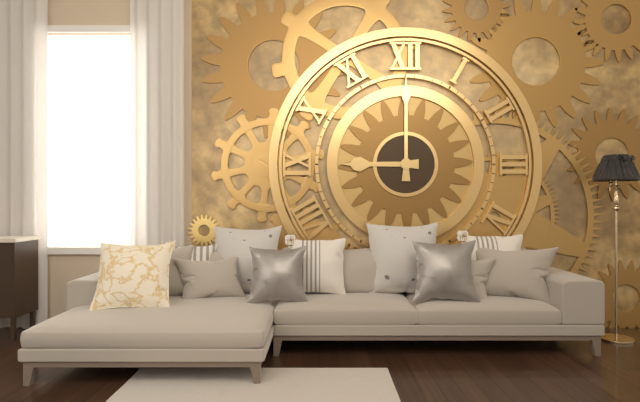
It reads 9 h 00 min
